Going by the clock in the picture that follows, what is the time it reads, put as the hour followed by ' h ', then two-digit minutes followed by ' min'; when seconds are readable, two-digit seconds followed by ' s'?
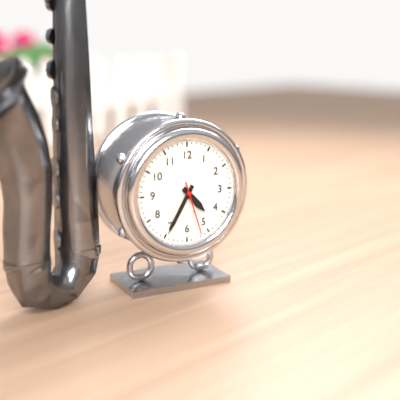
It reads 4 h 35 min 27 s
